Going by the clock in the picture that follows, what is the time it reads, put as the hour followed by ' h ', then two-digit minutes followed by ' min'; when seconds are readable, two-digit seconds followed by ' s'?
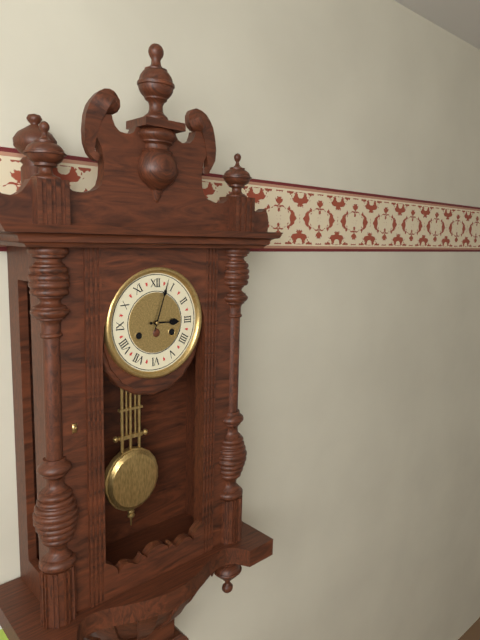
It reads 3 h 03 min
